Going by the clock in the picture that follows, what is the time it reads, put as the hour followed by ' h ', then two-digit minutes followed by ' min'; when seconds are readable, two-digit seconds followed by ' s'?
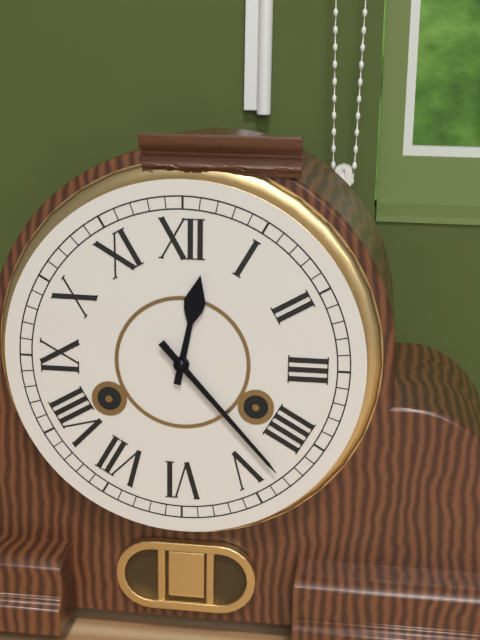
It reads 12 h 23 min
